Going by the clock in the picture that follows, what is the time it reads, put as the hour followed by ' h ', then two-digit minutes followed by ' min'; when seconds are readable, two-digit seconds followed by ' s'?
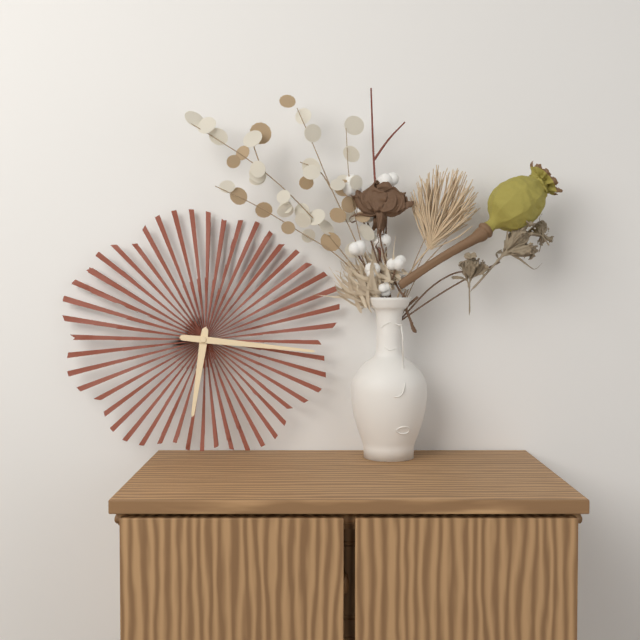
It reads 6 h 16 min
